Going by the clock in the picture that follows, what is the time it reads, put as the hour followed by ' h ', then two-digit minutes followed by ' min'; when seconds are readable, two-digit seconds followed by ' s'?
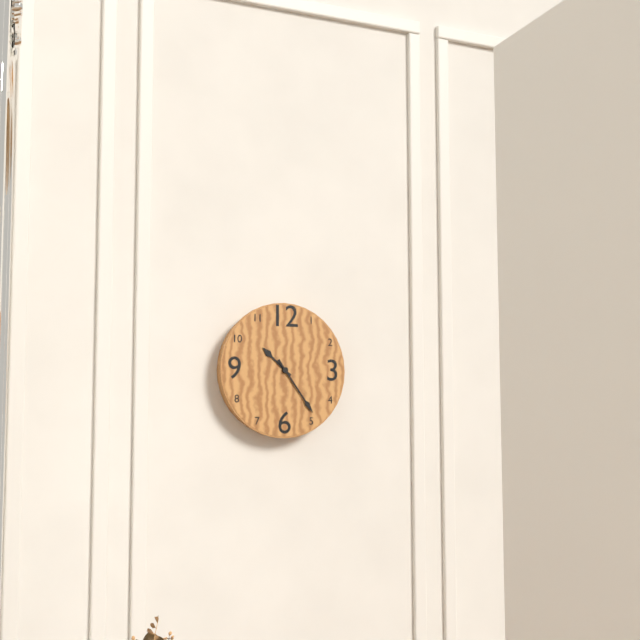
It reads 10 h 24 min
